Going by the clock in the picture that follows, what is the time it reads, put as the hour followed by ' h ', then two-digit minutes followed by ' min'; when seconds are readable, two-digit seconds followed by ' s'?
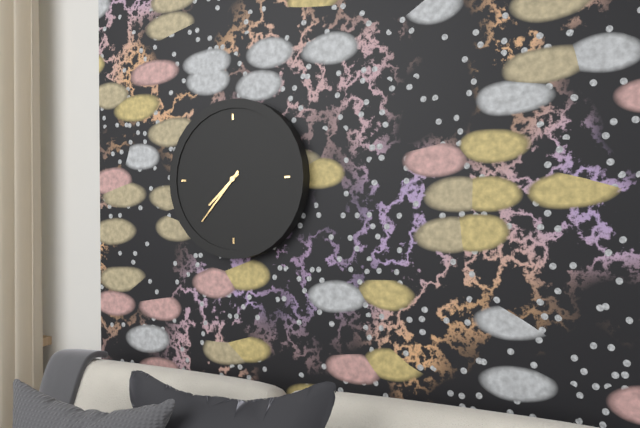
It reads 7 h 37 min
